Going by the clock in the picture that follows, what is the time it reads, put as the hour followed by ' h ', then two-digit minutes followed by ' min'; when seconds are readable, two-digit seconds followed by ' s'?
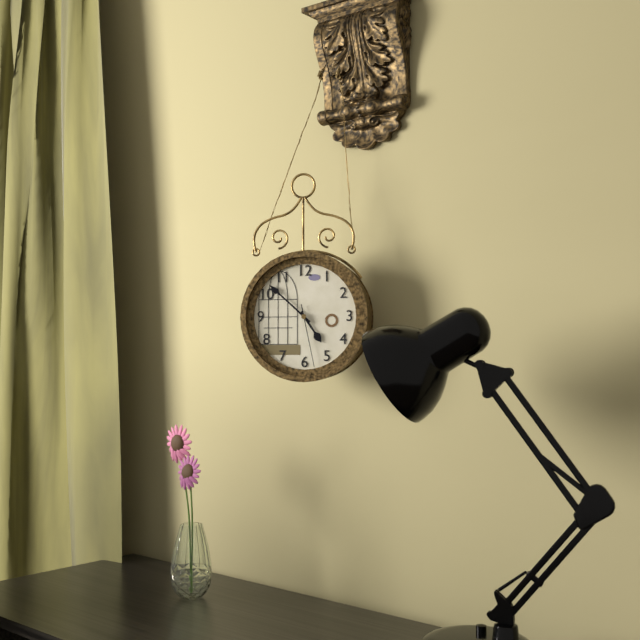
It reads 4 h 52 min 28 s
